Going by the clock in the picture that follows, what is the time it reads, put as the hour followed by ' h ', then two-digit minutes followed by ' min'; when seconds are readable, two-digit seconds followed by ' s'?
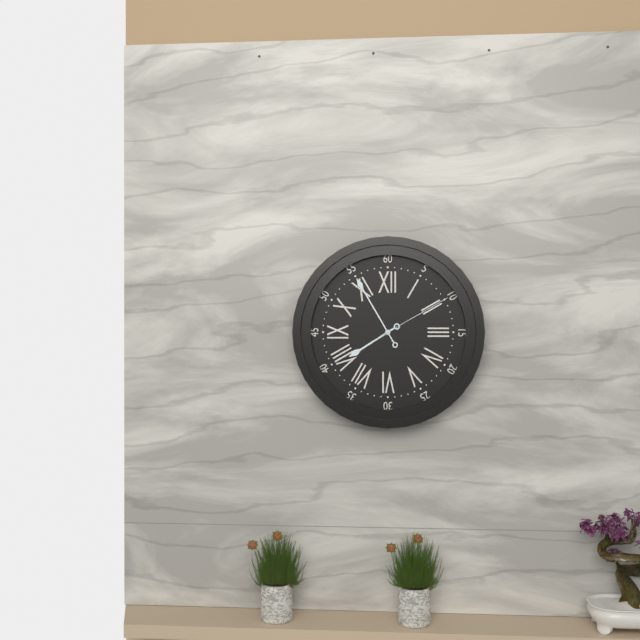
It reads 7 h 55 min 10 s
